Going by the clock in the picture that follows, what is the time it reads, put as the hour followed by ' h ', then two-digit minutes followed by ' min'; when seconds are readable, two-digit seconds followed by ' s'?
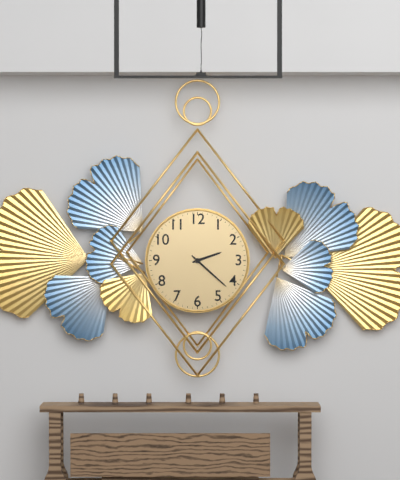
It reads 2 h 22 min
